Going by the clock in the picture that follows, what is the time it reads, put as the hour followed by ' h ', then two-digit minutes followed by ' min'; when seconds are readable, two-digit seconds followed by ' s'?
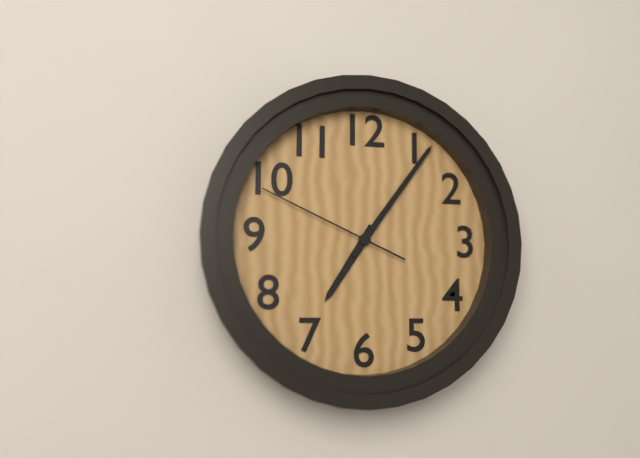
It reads 7 h 06 min 49 s
